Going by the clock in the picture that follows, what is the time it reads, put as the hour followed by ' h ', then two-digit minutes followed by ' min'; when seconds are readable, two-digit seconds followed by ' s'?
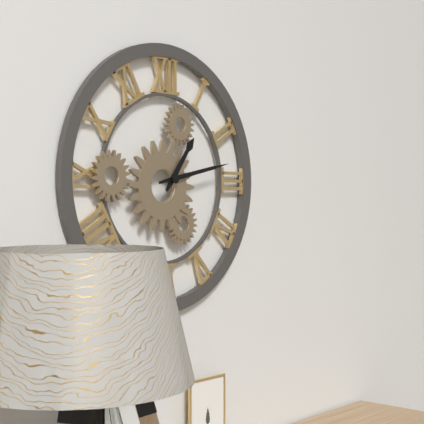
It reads 1 h 13 min
